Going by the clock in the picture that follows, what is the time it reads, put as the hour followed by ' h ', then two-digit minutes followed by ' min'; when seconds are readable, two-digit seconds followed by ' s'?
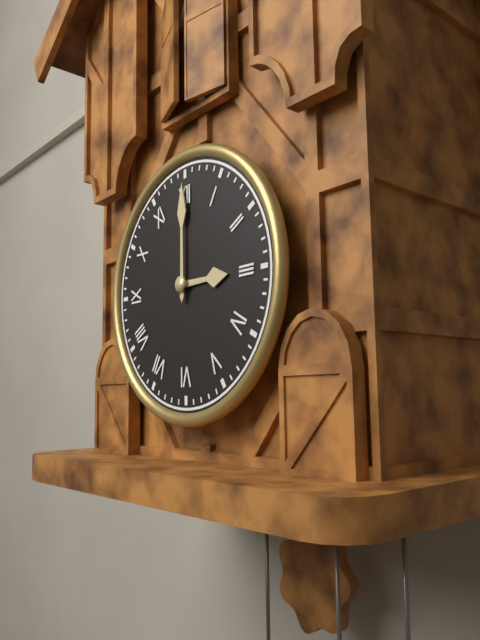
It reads 3 h 00 min
